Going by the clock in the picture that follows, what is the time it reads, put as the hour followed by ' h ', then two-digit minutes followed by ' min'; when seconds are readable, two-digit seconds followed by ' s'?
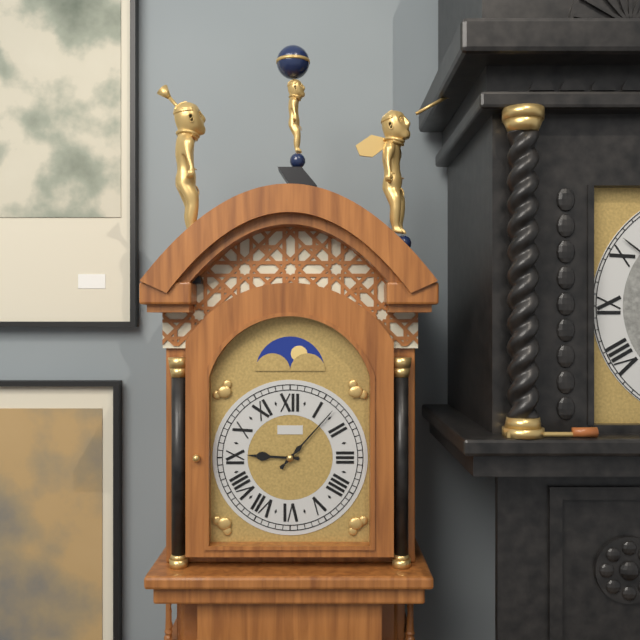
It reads 9 h 07 min
